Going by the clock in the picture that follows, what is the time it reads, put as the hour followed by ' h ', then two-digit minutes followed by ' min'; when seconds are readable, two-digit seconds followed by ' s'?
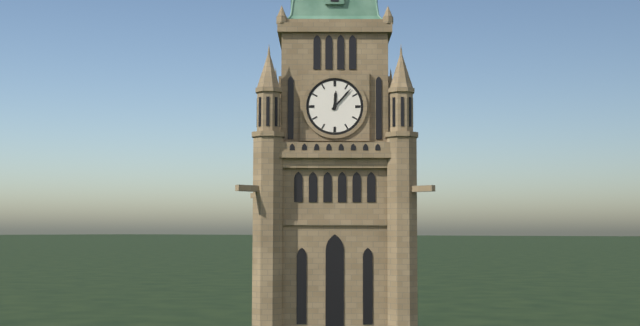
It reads 12 h 07 min
